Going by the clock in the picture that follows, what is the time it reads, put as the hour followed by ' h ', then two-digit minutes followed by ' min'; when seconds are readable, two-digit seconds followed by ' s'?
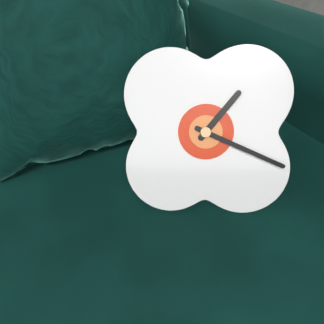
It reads 1 h 19 min
